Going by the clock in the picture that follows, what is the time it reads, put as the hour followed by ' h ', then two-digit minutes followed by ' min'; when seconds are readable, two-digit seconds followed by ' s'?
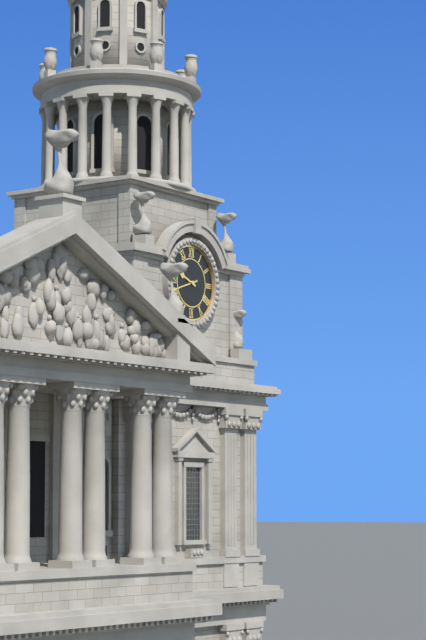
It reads 9 h 42 min
